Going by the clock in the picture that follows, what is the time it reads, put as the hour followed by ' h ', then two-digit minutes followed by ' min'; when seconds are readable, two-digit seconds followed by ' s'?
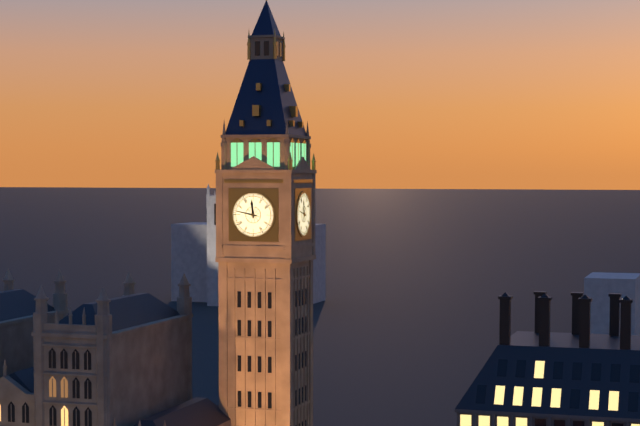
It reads 11 h 47 min
